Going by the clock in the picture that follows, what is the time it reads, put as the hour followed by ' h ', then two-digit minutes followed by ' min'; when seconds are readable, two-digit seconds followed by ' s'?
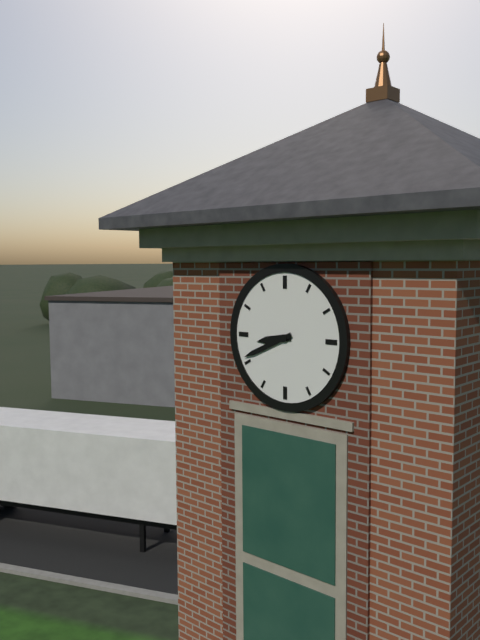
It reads 8 h 41 min
